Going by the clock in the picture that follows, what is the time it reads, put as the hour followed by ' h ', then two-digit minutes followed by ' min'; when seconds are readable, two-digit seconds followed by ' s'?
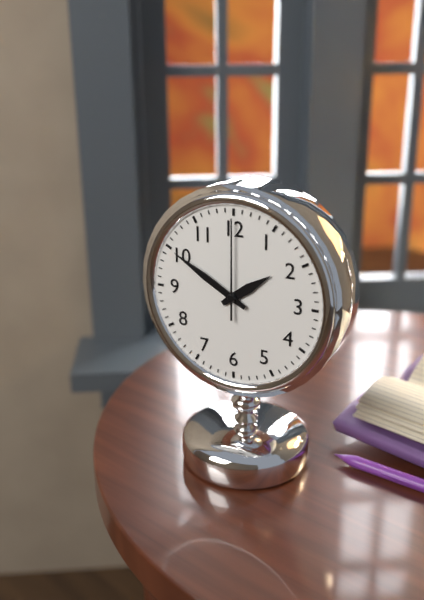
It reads 1 h 50 min 00 s
